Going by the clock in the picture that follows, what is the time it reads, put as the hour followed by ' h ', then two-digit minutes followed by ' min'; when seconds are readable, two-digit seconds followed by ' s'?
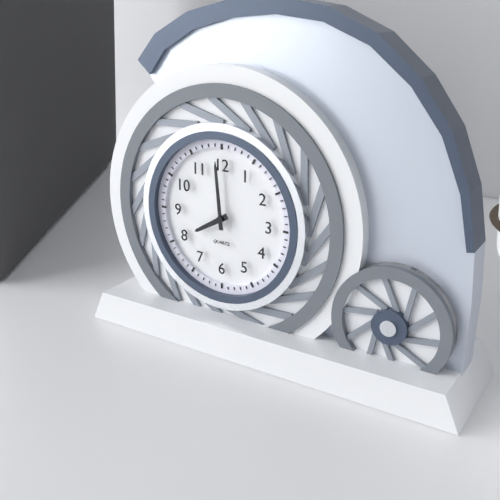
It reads 7 h 59 min
